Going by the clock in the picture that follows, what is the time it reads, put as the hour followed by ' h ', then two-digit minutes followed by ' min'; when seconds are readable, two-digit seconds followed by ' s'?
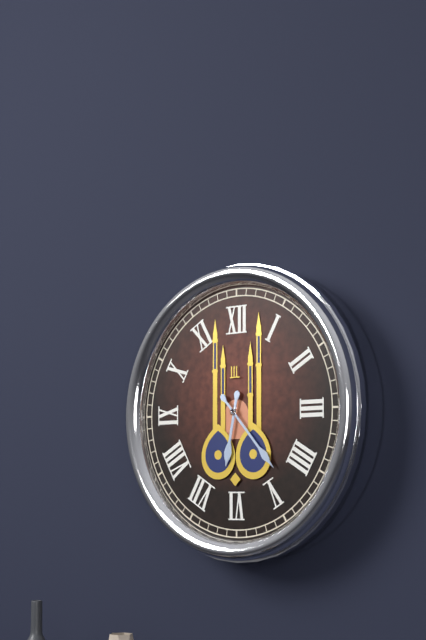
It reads 6 h 23 min
